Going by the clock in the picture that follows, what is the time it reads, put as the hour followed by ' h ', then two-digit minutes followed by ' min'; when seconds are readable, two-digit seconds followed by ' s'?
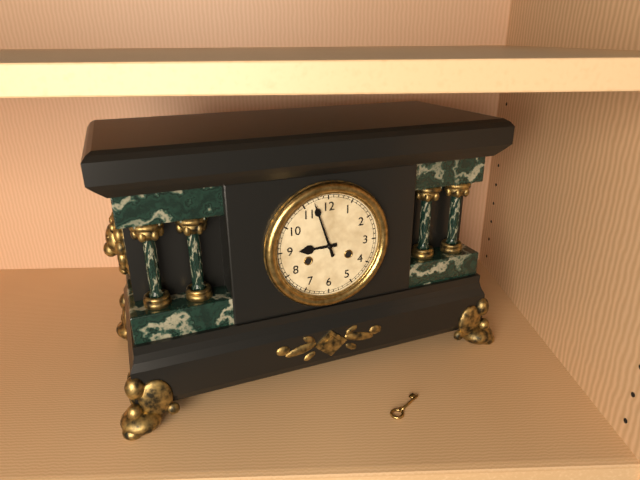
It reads 8 h 57 min
